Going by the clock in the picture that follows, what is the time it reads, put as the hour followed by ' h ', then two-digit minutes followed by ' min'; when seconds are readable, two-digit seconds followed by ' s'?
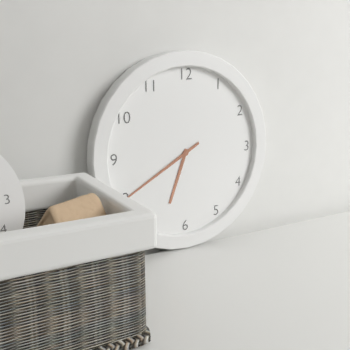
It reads 6 h 40 min
